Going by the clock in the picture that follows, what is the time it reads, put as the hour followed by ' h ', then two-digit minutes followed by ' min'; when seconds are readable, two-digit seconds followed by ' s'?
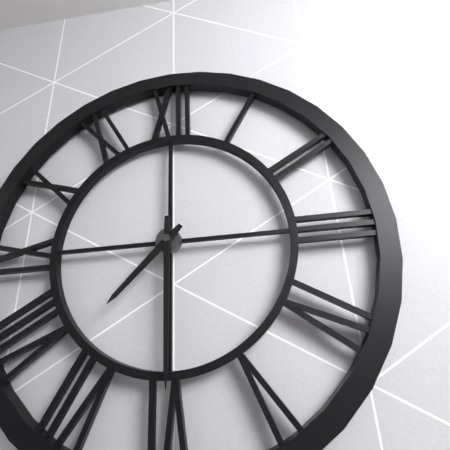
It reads 7 h 30 min
